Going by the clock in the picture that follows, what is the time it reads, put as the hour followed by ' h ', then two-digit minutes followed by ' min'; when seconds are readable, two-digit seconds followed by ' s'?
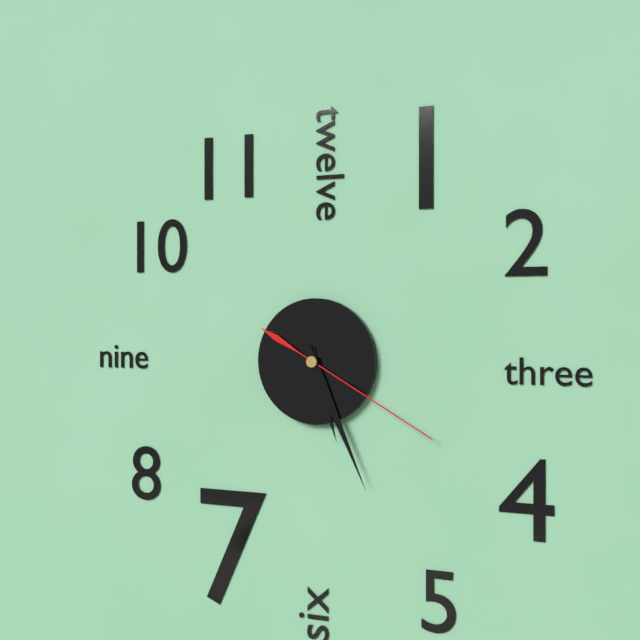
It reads 5 h 26 min 20 s
